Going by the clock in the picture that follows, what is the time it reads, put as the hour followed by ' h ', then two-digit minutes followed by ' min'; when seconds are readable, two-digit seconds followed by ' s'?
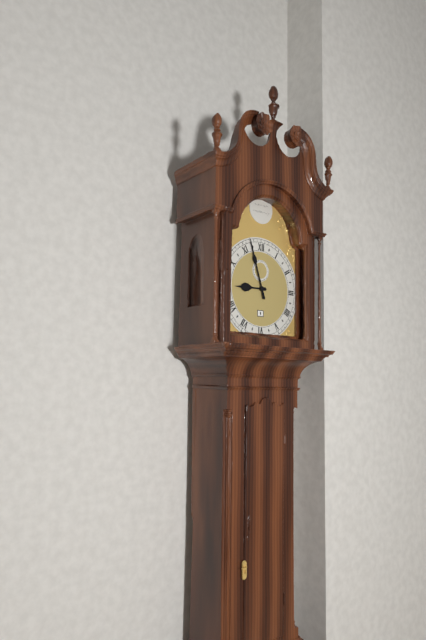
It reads 8 h 57 min
